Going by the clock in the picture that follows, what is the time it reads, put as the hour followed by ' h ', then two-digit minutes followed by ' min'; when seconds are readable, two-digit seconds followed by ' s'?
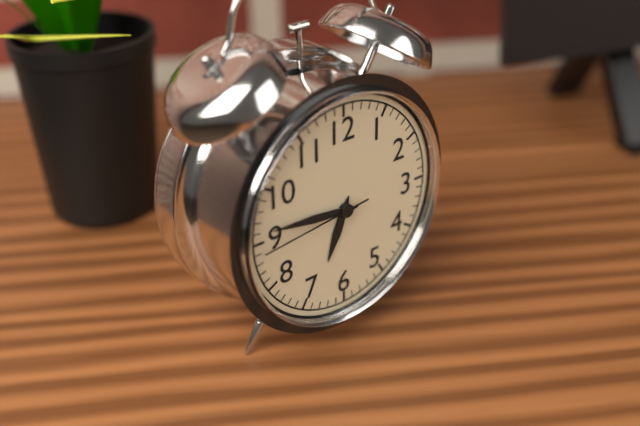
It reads 6 h 46 min 44 s
